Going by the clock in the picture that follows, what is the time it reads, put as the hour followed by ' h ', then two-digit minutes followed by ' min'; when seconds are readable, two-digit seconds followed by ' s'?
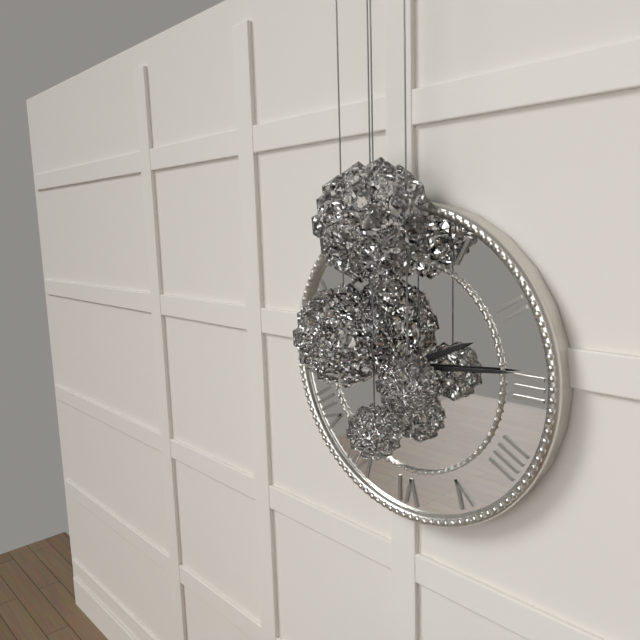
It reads 2 h 14 min
